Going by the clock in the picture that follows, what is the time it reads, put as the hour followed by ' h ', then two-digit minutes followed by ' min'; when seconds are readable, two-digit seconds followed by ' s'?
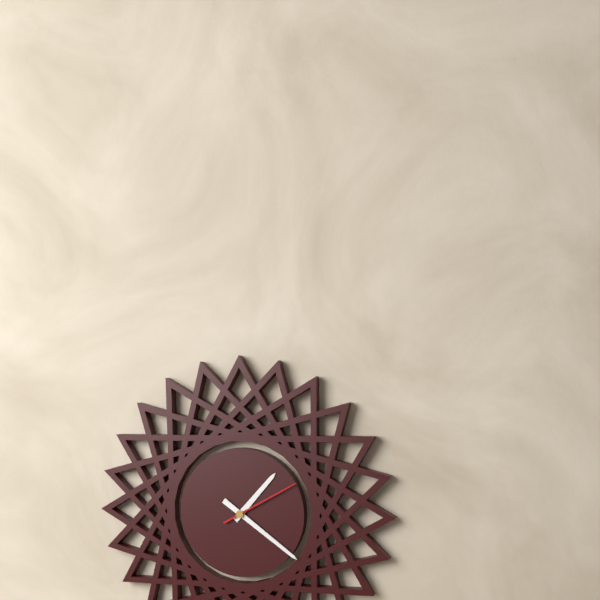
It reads 1 h 21 min 10 s
